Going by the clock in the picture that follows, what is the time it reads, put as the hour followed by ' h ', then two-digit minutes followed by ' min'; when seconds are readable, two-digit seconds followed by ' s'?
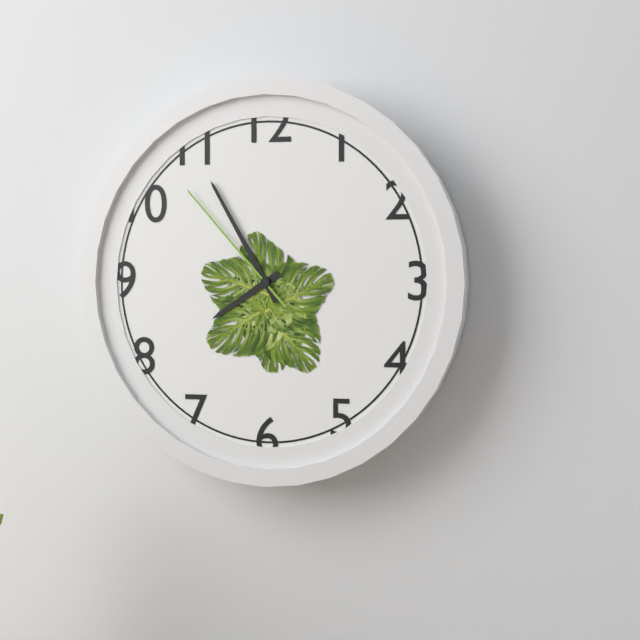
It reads 7 h 55 min 53 s
